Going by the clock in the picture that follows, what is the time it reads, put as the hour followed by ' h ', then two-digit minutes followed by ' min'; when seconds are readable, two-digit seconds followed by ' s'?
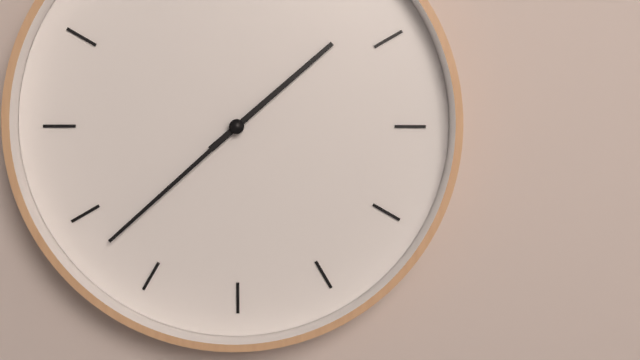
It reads 1 h 38 min
